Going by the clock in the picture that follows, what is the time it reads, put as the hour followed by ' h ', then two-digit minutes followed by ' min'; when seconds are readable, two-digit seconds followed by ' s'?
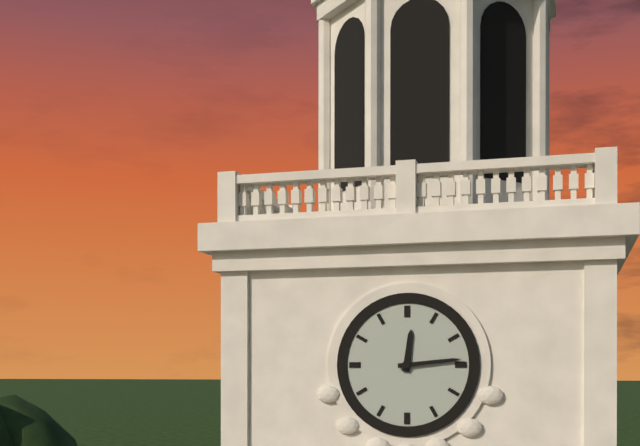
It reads 12 h 14 min
